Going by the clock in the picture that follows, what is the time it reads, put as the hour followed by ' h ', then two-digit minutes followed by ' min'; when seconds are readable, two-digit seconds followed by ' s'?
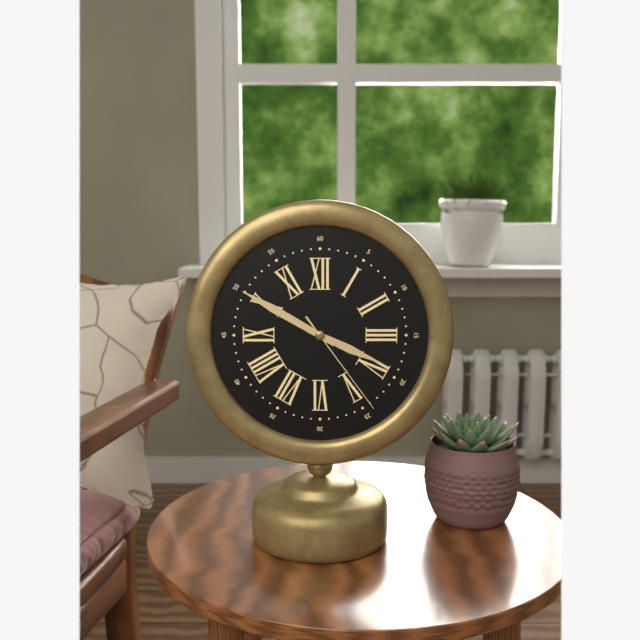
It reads 3 h 50 min 24 s
